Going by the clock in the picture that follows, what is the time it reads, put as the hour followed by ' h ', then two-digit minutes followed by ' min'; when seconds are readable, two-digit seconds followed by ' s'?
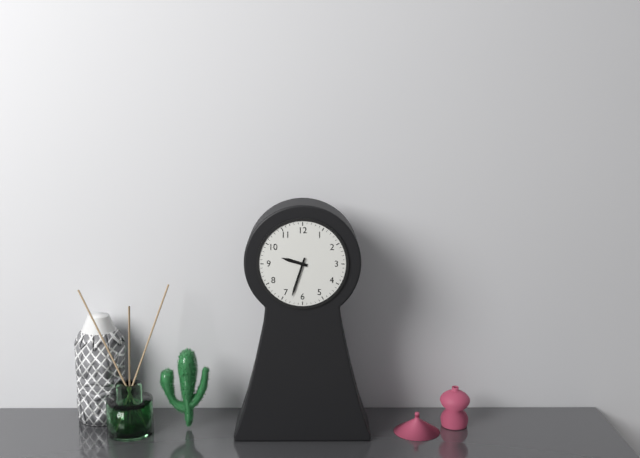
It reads 9 h 33 min
